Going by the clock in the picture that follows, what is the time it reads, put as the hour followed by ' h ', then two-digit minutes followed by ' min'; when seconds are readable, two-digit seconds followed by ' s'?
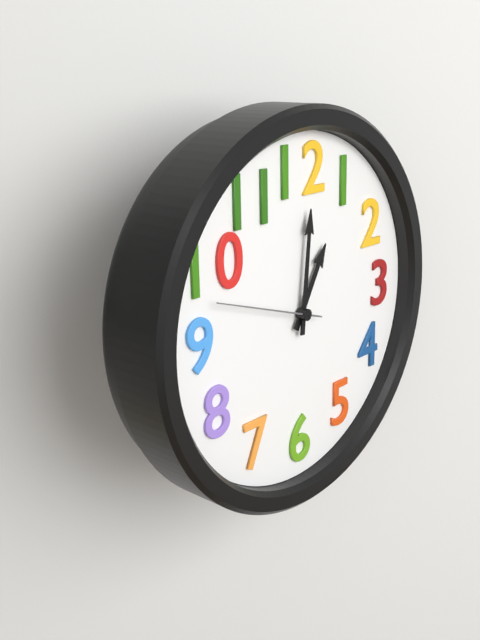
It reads 1 h 01 min 48 s
